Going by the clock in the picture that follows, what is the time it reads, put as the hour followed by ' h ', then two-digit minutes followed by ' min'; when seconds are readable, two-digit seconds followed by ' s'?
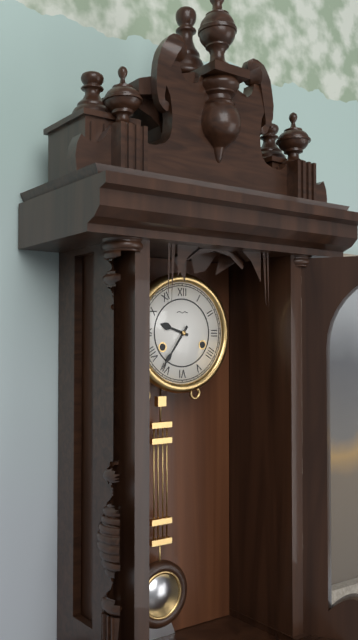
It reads 9 h 36 min
